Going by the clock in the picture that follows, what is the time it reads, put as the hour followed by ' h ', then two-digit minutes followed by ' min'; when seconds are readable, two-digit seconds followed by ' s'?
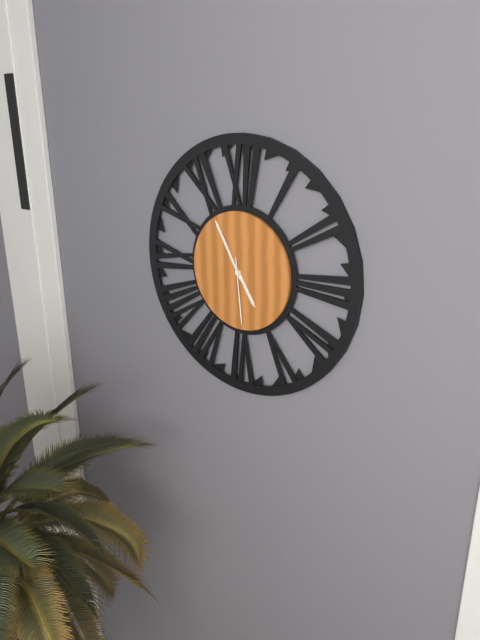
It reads 4 h 55 min 29 s
